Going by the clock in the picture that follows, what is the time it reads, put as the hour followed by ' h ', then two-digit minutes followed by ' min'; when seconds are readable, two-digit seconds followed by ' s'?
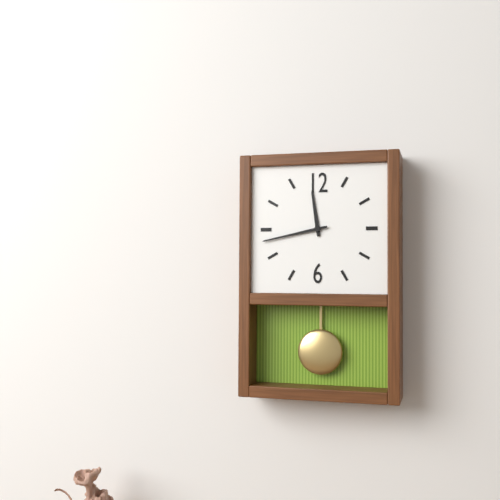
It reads 11 h 43 min
